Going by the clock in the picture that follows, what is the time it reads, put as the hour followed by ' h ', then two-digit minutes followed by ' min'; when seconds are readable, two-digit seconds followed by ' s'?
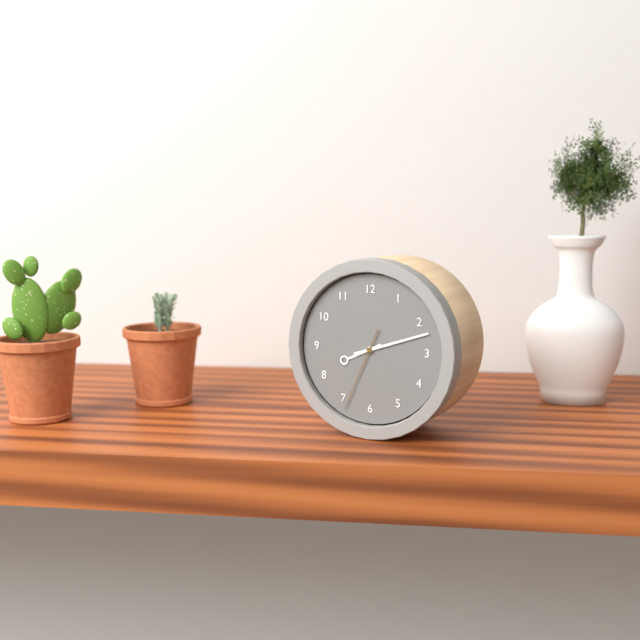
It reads 8 h 12 min 34 s
